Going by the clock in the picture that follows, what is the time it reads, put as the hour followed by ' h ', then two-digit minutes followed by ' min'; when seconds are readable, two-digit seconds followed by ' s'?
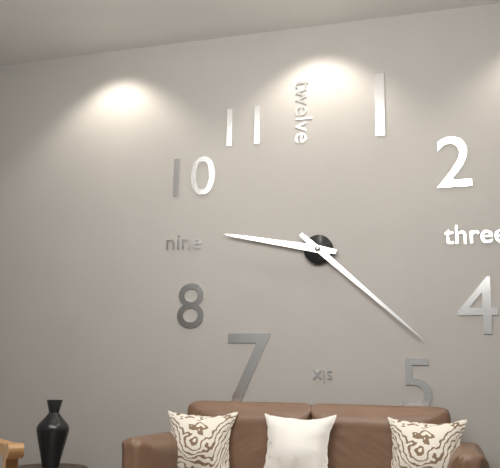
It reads 9 h 22 min
